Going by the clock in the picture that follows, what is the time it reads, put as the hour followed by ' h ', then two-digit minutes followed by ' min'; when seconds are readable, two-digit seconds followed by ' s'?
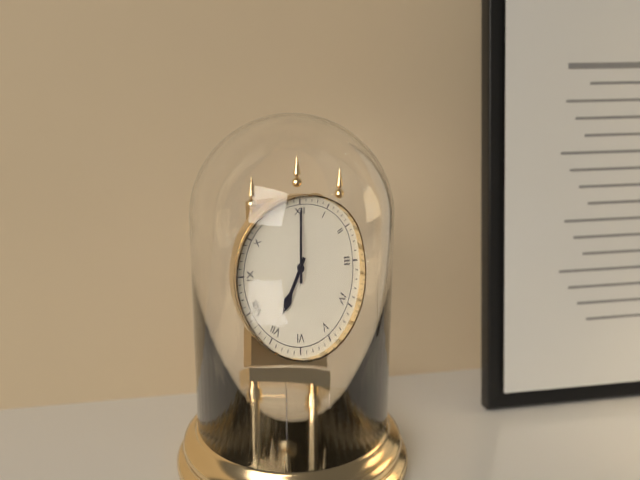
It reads 7 h 00 min
